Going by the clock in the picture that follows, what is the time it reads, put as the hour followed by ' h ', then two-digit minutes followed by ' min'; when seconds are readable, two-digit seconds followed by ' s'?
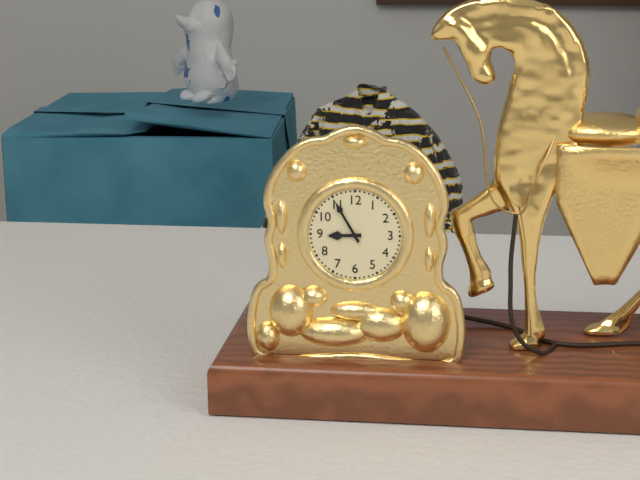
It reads 8 h 55 min
